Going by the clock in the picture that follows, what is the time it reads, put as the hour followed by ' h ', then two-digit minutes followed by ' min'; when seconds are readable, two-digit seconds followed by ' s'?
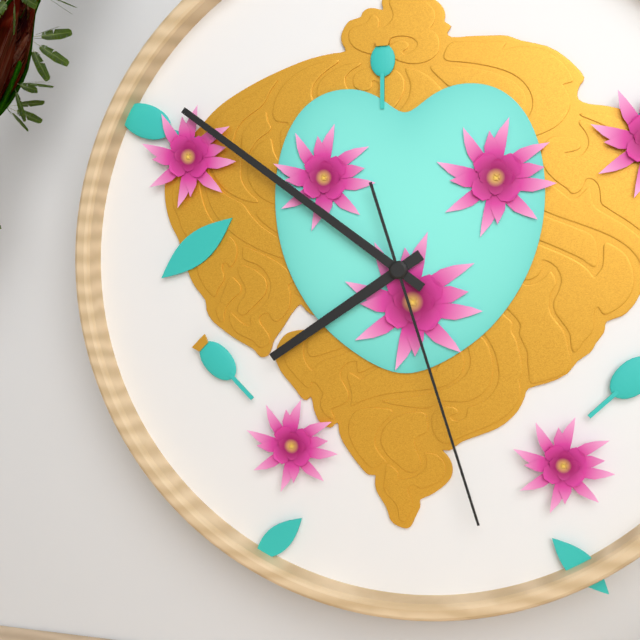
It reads 7 h 51 min 27 s
